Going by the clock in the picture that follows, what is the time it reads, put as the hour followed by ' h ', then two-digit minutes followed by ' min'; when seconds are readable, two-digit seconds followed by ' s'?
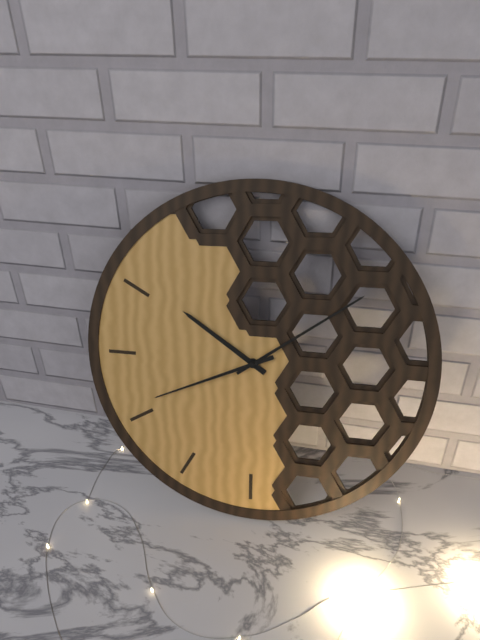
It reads 10 h 09 min 41 s
